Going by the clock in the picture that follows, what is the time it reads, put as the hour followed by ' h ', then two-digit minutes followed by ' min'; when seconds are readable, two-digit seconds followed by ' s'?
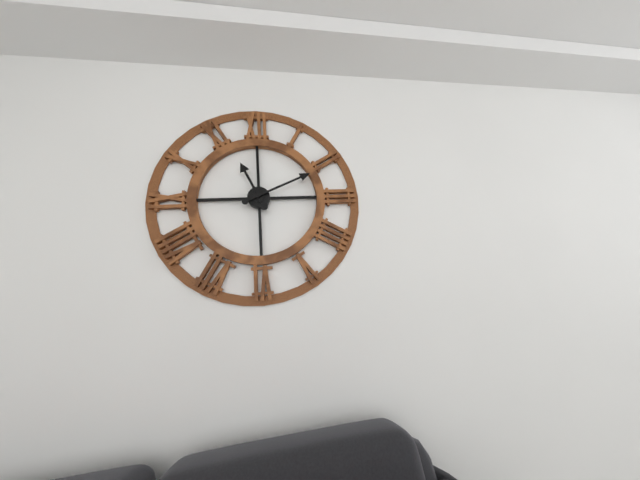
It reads 11 h 11 min
